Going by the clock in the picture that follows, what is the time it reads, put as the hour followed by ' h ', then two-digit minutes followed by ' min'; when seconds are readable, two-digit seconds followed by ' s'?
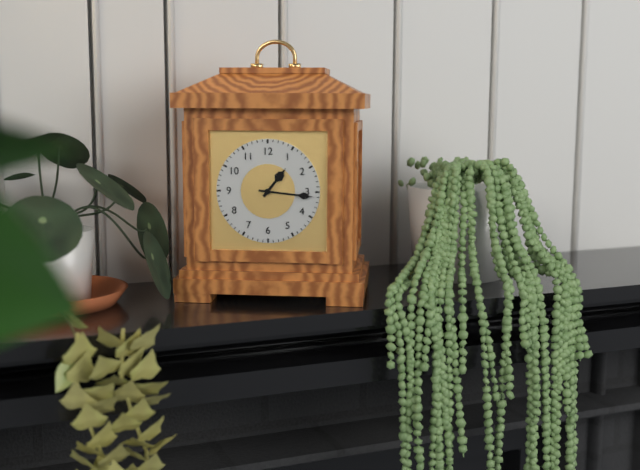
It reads 1 h 16 min
